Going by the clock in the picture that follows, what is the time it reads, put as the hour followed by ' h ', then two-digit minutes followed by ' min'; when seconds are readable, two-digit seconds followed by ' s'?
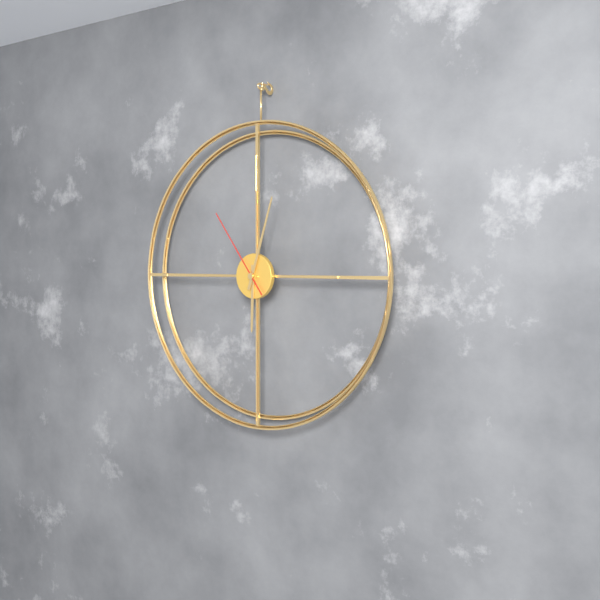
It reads 6 h 03 min 54 s
